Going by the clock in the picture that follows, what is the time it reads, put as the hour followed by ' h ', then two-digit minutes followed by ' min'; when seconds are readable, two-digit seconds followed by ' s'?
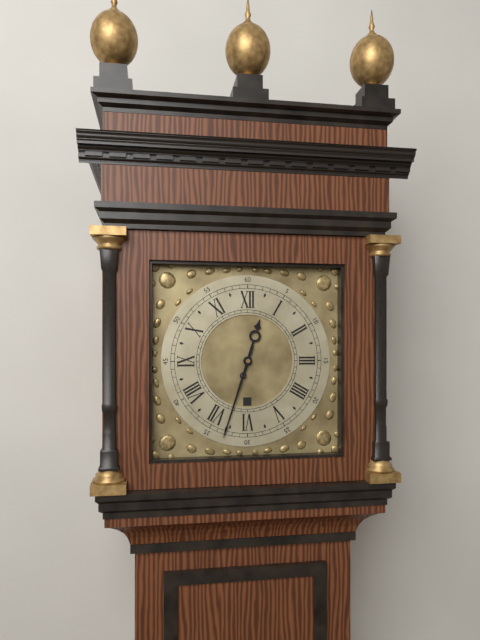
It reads 12 h 33 min
